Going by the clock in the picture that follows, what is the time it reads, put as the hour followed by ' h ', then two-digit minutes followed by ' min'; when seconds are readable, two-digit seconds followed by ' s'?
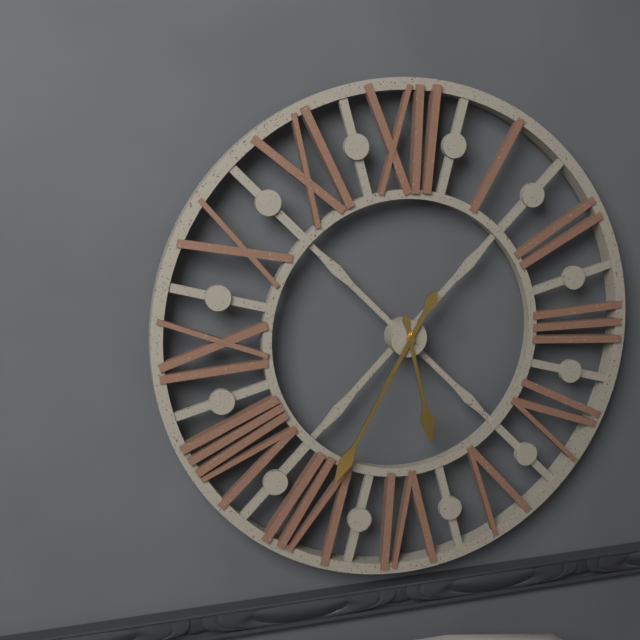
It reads 5 h 35 min
